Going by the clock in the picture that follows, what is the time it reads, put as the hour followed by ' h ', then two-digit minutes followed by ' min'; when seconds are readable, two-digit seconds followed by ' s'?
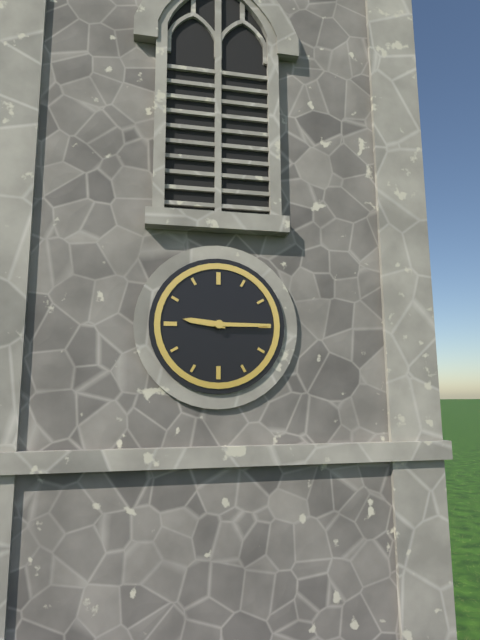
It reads 9 h 15 min
